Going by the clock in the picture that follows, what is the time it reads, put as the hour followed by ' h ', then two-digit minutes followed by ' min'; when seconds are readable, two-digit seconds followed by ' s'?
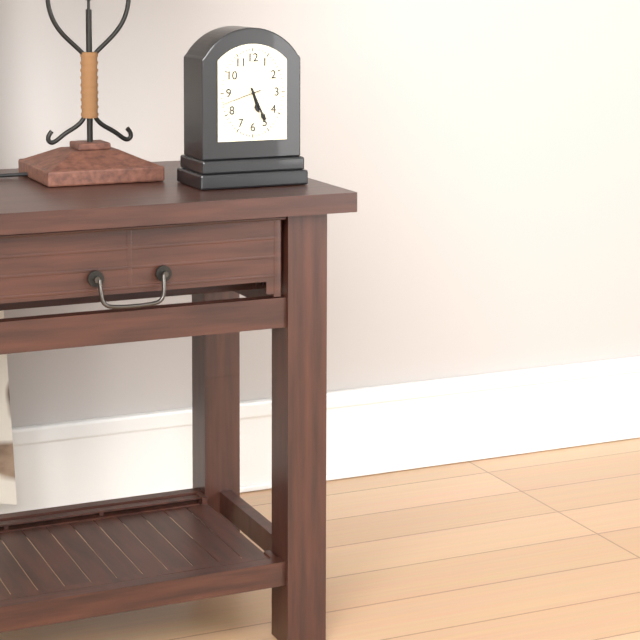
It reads 5 h 26 min
